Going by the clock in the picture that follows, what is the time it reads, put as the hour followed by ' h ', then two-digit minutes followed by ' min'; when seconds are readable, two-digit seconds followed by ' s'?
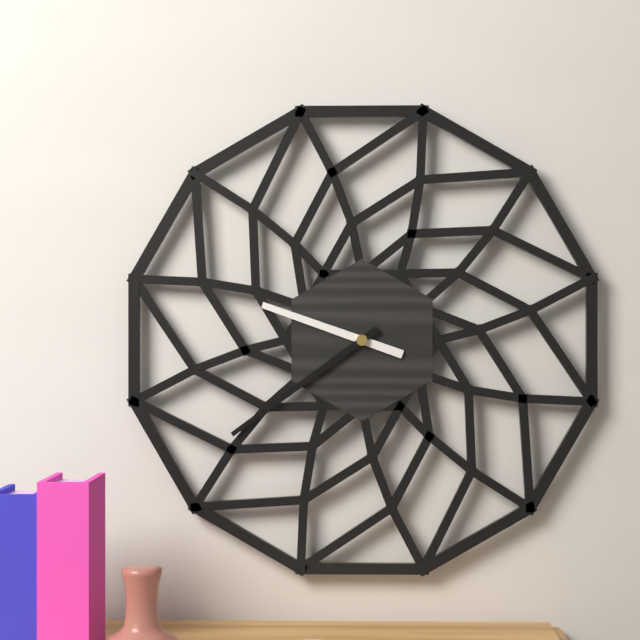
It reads 9 h 39 min
